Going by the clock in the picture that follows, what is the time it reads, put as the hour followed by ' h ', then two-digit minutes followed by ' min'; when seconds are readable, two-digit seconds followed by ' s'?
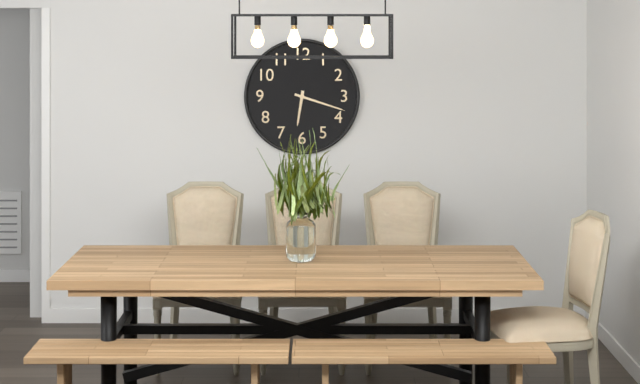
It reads 6 h 18 min
